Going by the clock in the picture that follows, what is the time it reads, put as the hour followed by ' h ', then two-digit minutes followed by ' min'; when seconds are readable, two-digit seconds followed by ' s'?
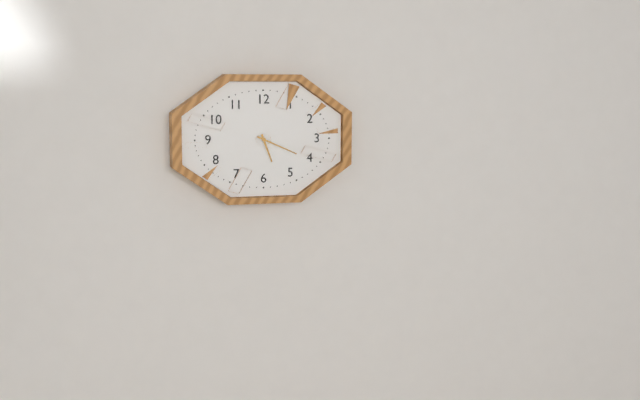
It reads 5 h 19 min
